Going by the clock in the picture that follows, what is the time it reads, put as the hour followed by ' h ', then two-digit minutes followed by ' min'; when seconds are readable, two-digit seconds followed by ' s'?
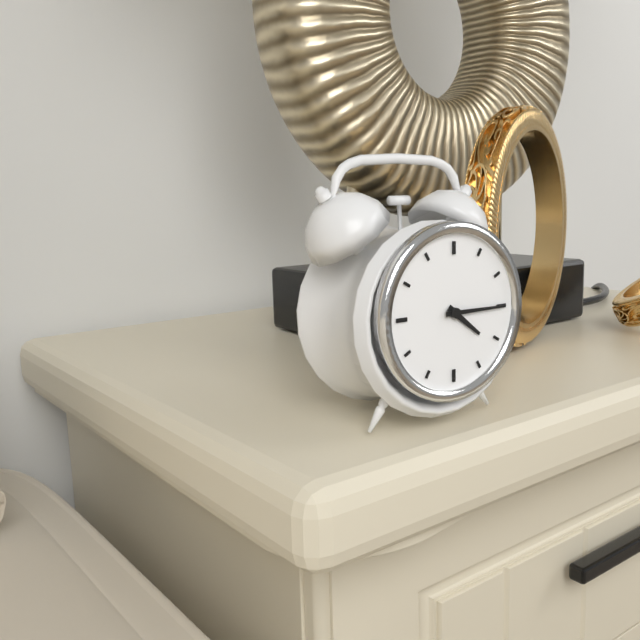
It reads 4 h 15 min
